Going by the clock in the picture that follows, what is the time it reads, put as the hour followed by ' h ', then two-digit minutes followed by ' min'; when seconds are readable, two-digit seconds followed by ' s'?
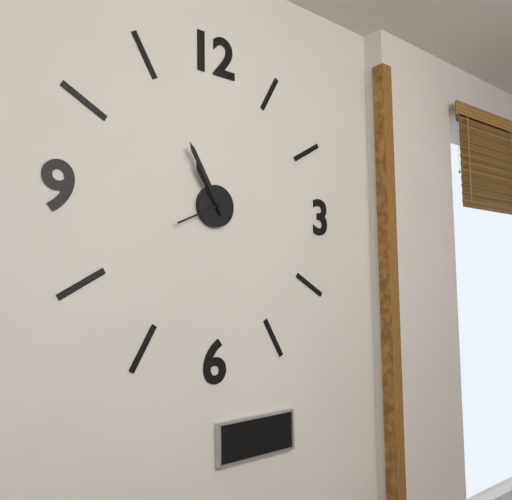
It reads 10 h 55 min
